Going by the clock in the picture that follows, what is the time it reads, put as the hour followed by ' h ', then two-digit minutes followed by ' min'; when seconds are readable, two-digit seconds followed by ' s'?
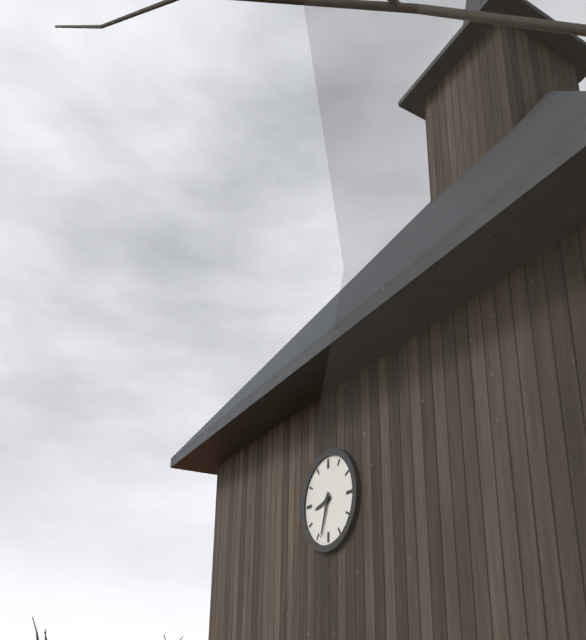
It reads 8 h 33 min
